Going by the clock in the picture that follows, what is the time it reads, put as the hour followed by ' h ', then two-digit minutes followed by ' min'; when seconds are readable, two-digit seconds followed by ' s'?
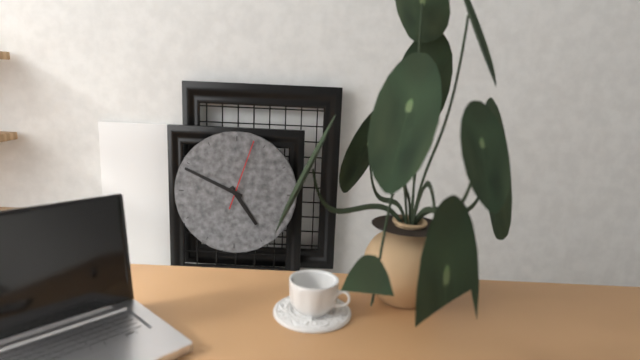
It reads 4 h 49 min 03 s
